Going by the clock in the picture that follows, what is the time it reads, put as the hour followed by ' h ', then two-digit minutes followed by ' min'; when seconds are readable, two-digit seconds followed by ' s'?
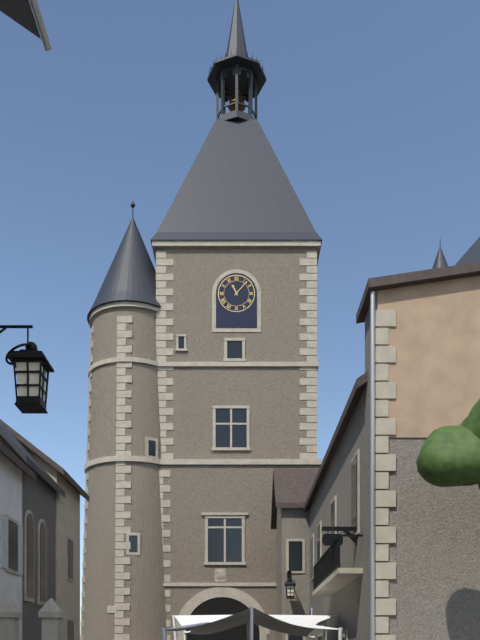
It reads 11 h 07 min
